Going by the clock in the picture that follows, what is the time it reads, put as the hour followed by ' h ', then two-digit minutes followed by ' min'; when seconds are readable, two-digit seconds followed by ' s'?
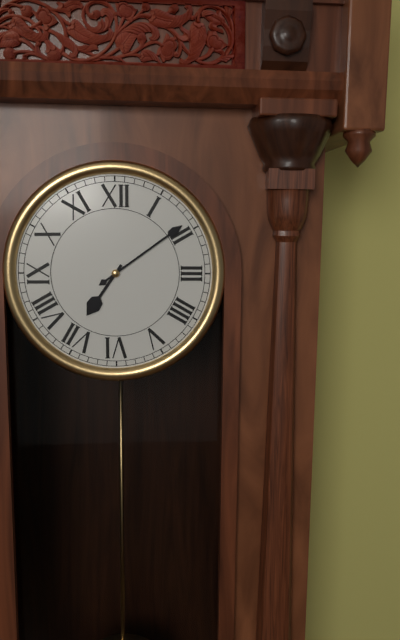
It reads 7 h 09 min
